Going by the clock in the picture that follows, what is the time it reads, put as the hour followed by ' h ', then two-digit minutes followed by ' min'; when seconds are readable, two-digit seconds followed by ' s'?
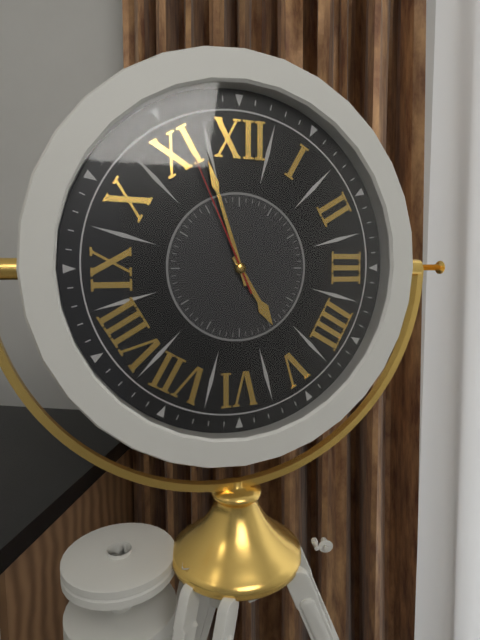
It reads 4 h 57 min 56 s
